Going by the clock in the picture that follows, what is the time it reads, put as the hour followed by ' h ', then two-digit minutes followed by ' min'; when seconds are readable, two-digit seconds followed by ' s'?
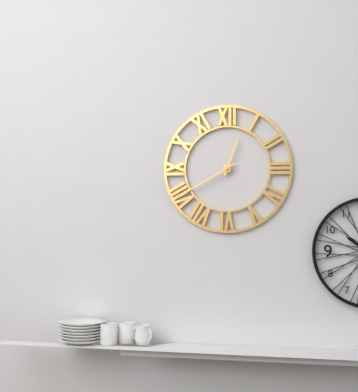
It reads 12 h 40 min
